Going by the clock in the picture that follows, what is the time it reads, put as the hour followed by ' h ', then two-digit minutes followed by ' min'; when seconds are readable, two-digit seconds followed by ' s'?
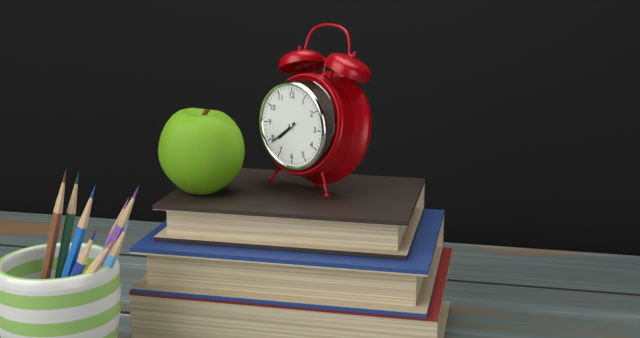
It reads 7 h 39 min
